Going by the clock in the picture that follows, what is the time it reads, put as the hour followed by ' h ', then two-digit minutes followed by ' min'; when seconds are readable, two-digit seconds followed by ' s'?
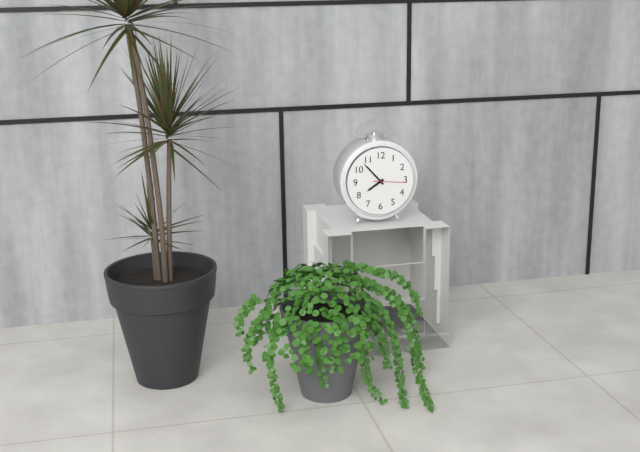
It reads 7 h 53 min
